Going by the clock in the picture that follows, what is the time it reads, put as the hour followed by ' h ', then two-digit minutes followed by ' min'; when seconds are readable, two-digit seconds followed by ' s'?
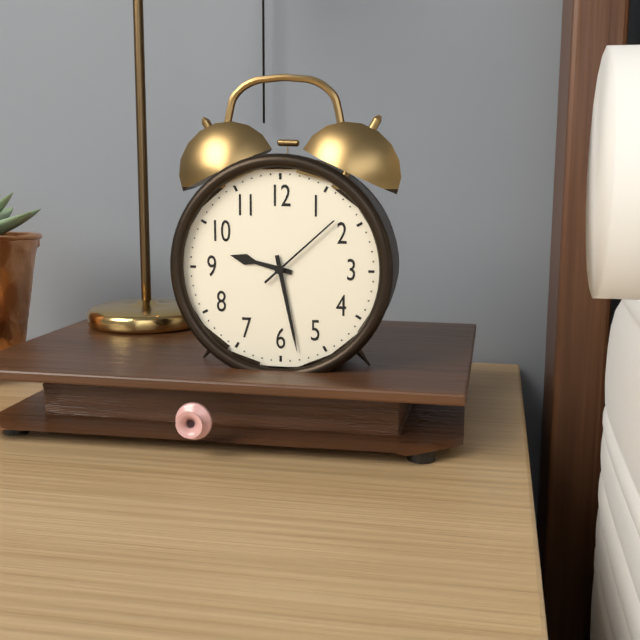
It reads 9 h 28 min 08 s
